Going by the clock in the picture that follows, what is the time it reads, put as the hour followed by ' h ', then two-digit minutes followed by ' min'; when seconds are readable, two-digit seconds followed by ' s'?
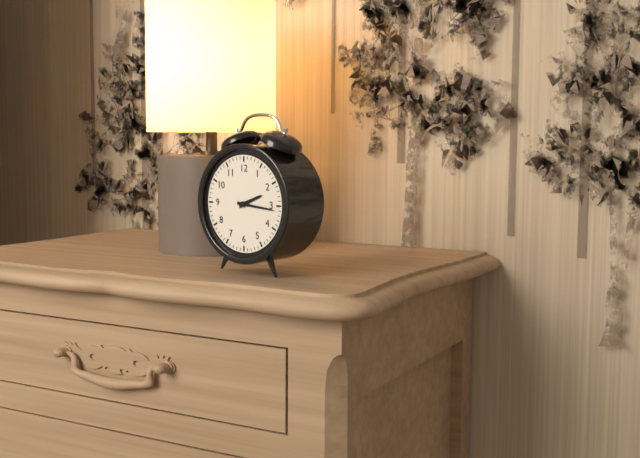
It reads 2 h 16 min
